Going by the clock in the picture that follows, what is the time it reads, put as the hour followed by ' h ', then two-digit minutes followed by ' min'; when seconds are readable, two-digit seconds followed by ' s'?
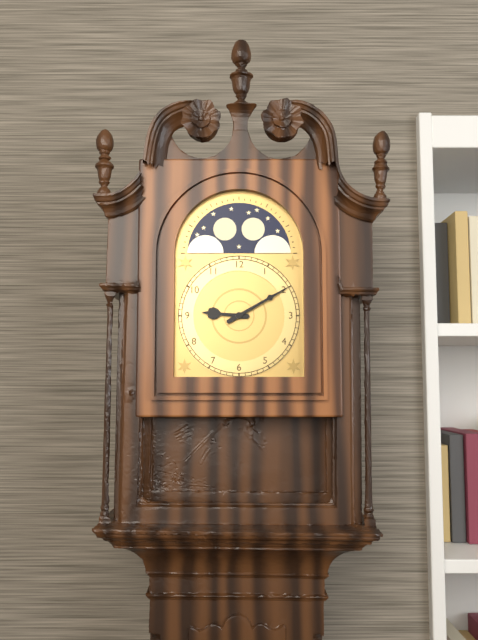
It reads 9 h 10 min
